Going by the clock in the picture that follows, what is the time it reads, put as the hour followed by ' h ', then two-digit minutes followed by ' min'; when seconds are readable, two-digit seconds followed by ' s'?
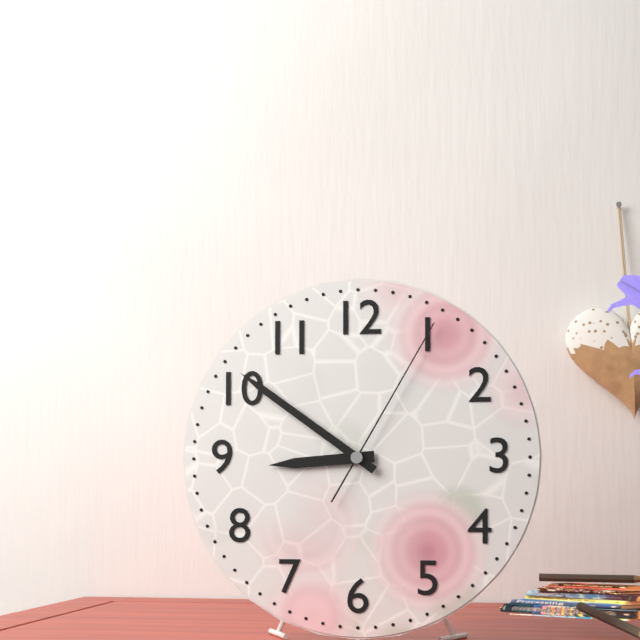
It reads 8 h 51 min 05 s
